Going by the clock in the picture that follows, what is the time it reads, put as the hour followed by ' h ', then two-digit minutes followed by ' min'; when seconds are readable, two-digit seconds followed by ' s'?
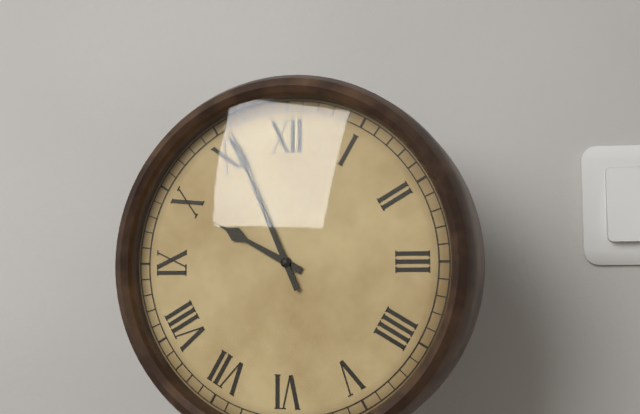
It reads 9 h 56 min
